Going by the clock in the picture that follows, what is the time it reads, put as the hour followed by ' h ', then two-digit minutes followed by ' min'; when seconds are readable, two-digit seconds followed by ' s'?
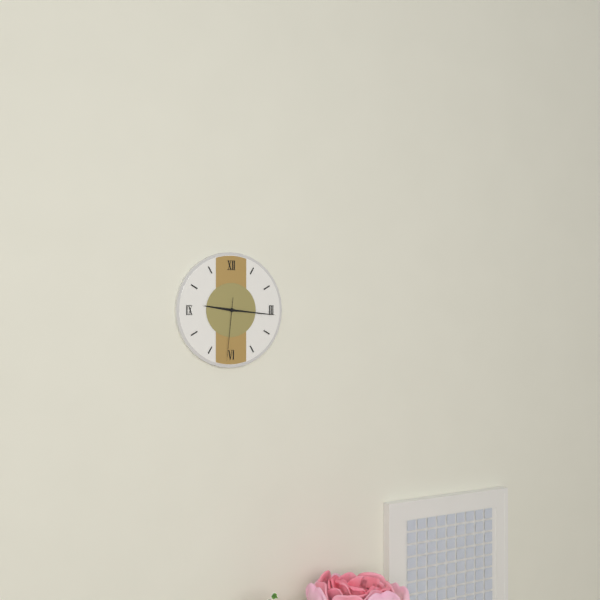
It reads 9 h 16 min 31 s
